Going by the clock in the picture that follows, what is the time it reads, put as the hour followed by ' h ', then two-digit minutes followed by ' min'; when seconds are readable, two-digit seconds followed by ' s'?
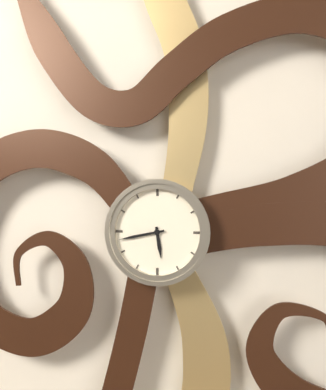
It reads 5 h 43 min
